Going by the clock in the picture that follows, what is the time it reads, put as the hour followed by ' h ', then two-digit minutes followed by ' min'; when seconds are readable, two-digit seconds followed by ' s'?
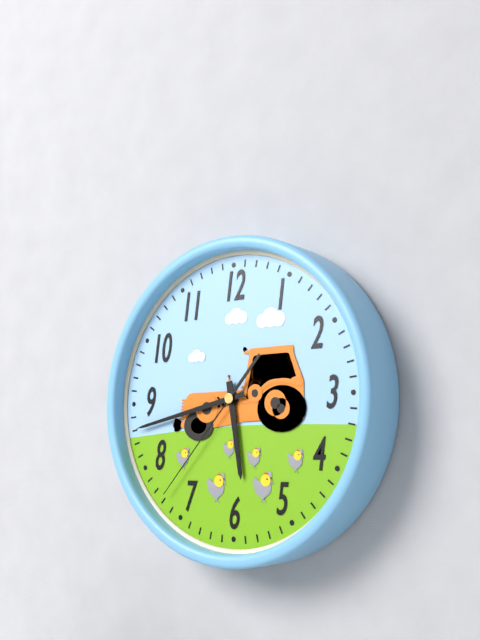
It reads 5 h 43 min 37 s
